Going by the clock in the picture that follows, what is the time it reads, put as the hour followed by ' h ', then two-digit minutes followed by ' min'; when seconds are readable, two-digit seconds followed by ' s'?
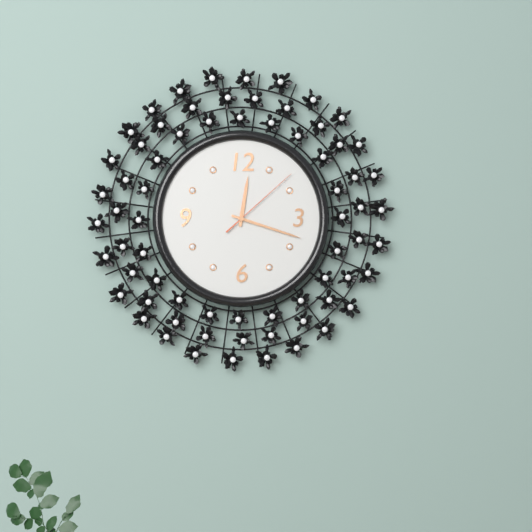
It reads 12 h 18 min 08 s
